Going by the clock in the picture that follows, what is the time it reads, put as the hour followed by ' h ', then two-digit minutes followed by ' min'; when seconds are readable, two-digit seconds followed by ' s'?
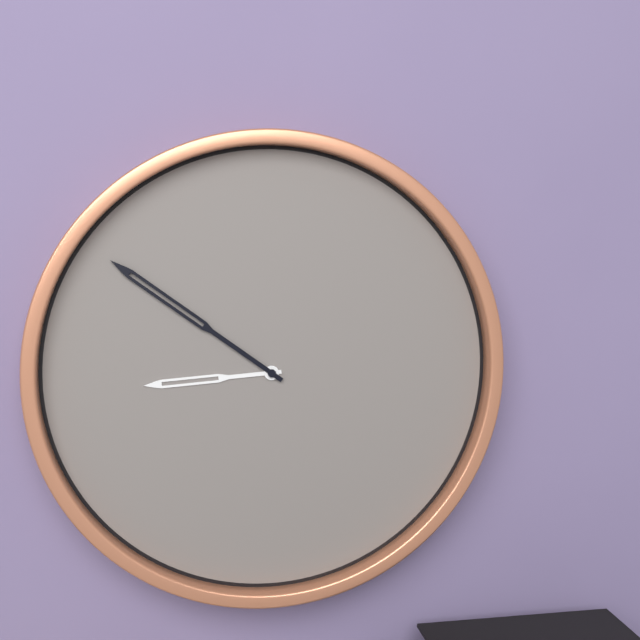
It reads 8 h 51 min
